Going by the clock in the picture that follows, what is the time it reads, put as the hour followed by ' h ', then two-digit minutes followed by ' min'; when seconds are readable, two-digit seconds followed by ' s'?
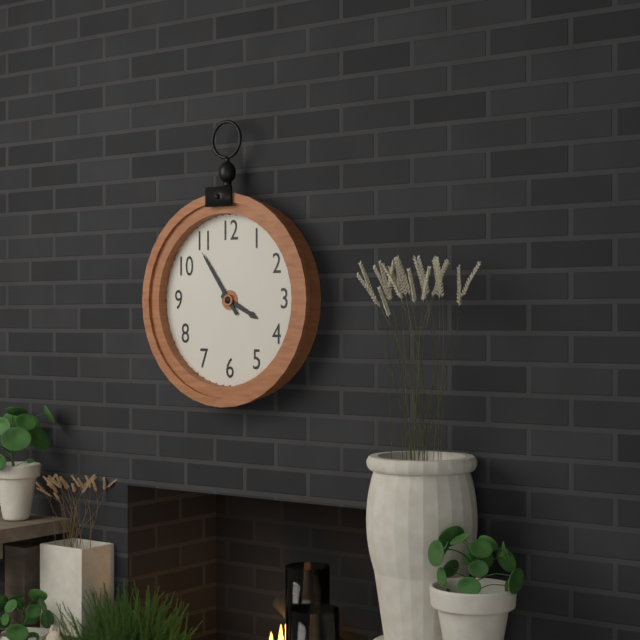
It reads 3 h 54 min
